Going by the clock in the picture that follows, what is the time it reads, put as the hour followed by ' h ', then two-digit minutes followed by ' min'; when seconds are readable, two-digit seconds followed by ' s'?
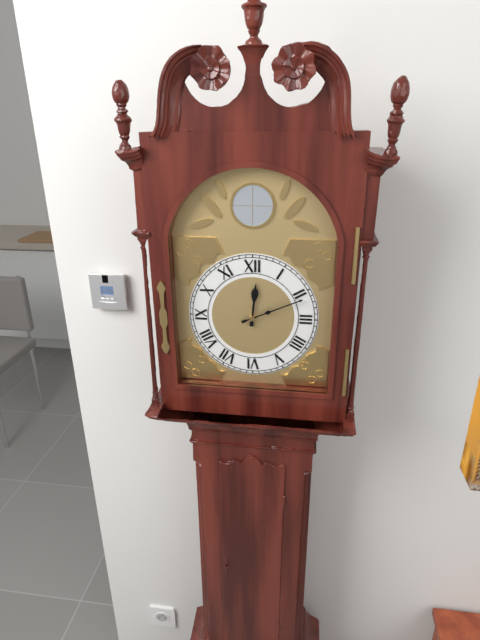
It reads 12 h 11 min
